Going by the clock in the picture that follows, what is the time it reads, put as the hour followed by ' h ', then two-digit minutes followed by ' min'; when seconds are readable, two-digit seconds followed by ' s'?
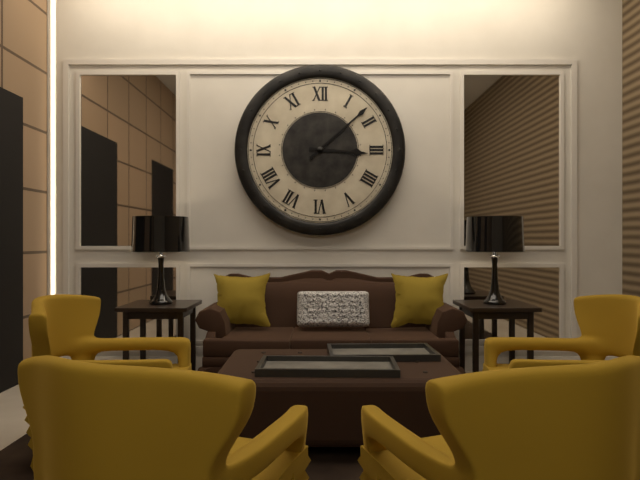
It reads 3 h 08 min
